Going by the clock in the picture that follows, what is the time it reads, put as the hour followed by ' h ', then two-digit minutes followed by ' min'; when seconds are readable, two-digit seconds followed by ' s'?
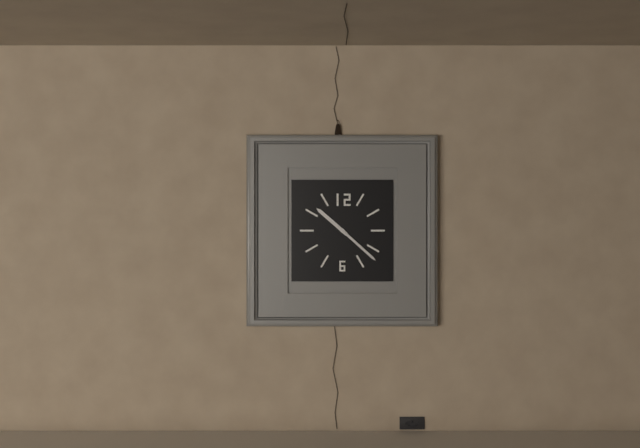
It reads 10 h 22 min
